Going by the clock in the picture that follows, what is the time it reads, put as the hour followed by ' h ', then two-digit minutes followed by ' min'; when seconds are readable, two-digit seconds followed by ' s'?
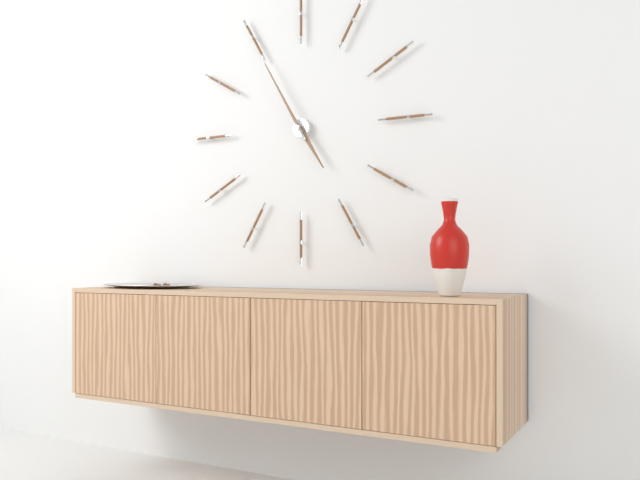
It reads 4 h 55 min
